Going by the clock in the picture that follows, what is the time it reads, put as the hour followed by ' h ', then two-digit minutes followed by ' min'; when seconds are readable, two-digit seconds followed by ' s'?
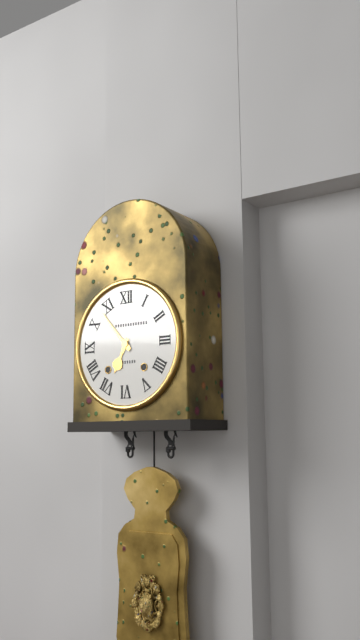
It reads 6 h 53 min
